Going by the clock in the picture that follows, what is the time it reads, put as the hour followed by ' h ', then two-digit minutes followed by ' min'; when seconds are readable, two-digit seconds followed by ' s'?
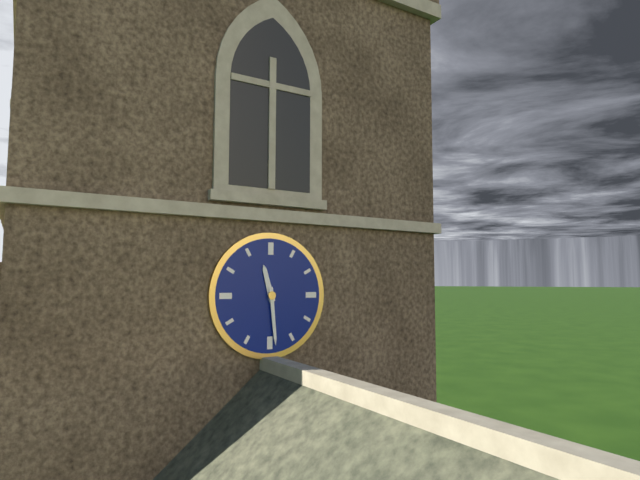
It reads 11 h 29 min
